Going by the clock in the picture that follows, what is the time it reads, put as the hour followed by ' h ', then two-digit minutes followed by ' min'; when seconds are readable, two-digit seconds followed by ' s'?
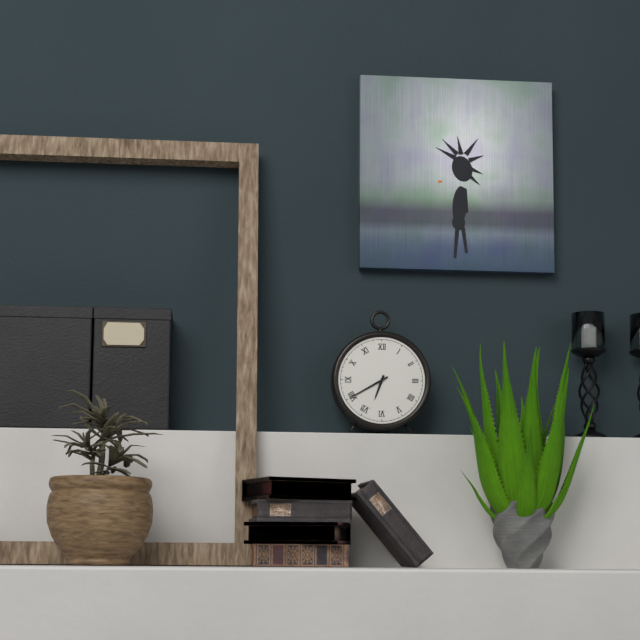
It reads 6 h 40 min
